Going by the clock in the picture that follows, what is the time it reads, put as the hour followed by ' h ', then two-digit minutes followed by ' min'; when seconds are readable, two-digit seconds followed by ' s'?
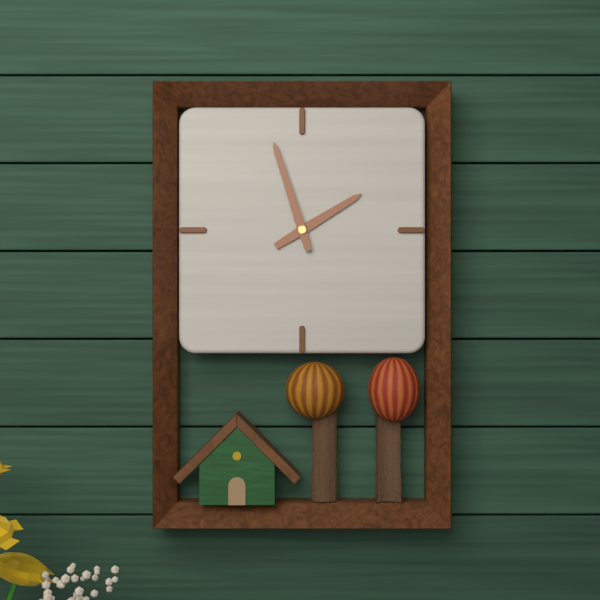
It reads 1 h 57 min
